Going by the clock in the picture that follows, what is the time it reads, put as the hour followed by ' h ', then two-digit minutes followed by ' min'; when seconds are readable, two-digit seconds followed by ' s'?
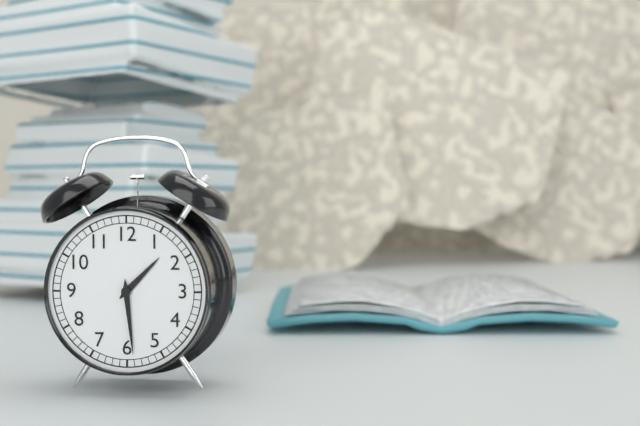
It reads 1 h 29 min
